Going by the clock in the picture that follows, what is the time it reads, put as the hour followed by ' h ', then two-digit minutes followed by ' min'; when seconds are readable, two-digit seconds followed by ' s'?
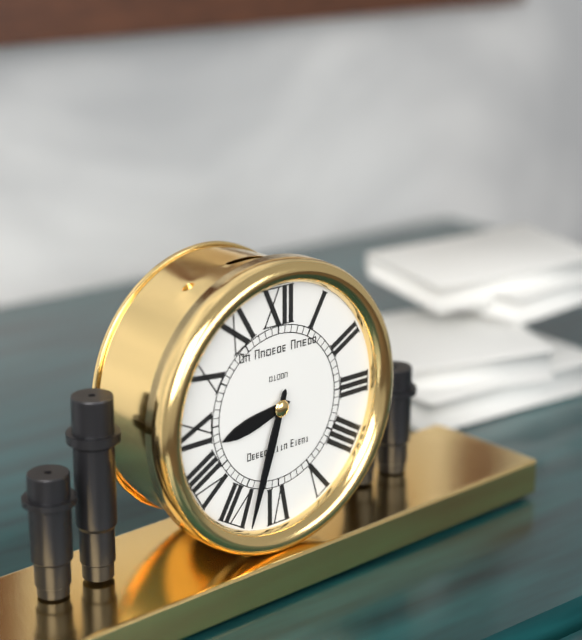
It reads 8 h 33 min
